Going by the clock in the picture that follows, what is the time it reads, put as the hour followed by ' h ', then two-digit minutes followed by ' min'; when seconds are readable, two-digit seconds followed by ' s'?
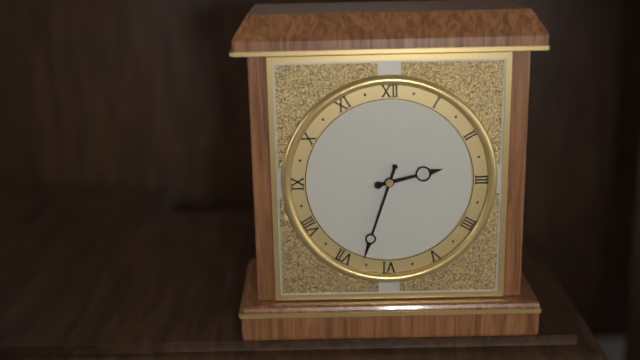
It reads 2 h 33 min
